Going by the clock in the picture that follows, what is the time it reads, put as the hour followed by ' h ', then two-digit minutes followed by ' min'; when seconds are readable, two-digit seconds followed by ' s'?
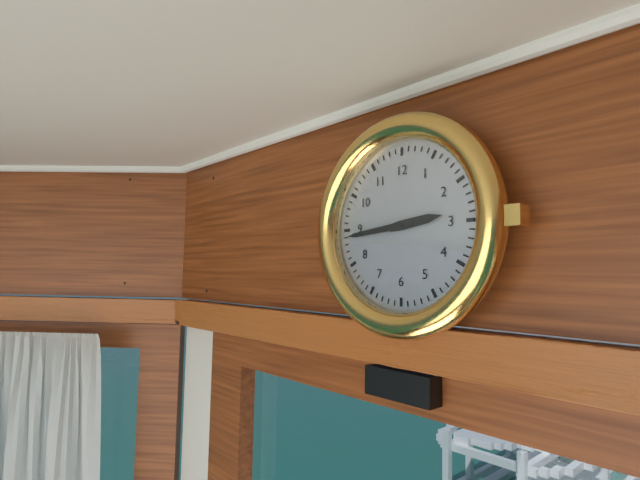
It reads 2 h 44 min
